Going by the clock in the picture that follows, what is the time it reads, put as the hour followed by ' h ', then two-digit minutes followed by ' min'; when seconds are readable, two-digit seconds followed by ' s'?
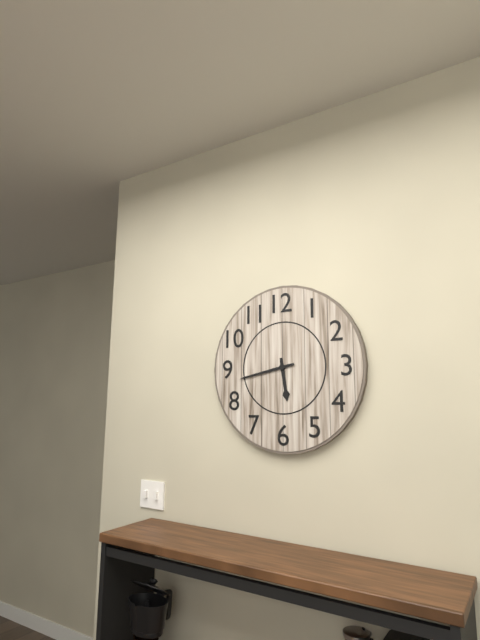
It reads 5 h 43 min
